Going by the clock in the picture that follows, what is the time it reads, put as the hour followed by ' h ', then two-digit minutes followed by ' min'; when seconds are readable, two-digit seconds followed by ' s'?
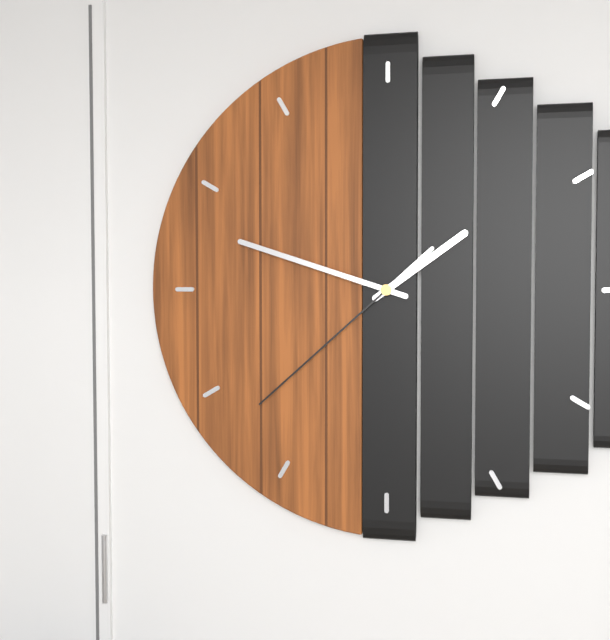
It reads 1 h 48 min 38 s
